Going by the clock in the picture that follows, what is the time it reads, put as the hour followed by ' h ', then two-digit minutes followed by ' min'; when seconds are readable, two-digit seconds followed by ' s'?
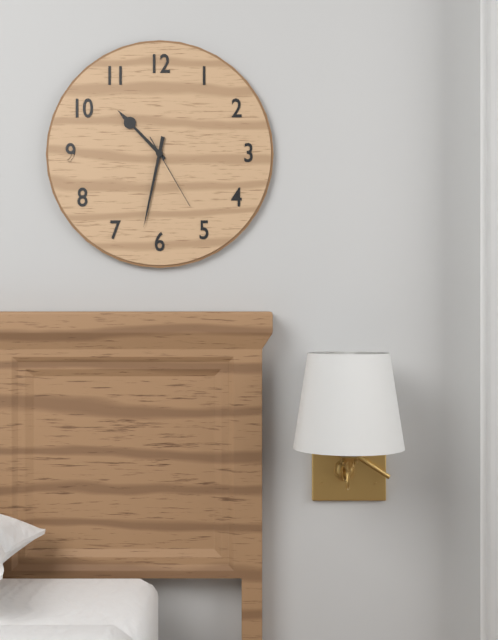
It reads 10 h 32 min 25 s
